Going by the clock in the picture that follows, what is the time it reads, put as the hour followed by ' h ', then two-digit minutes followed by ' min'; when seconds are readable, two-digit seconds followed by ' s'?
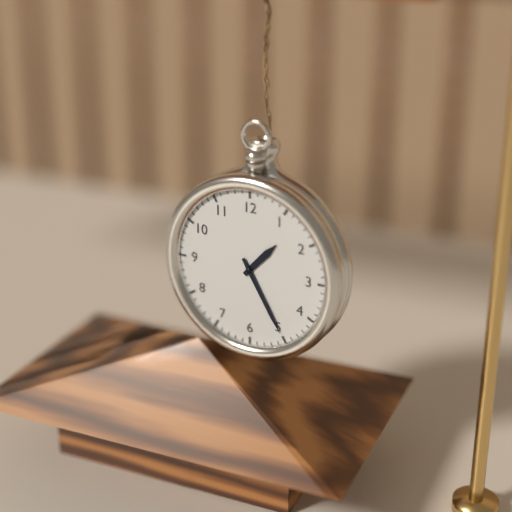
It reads 1 h 25 min
